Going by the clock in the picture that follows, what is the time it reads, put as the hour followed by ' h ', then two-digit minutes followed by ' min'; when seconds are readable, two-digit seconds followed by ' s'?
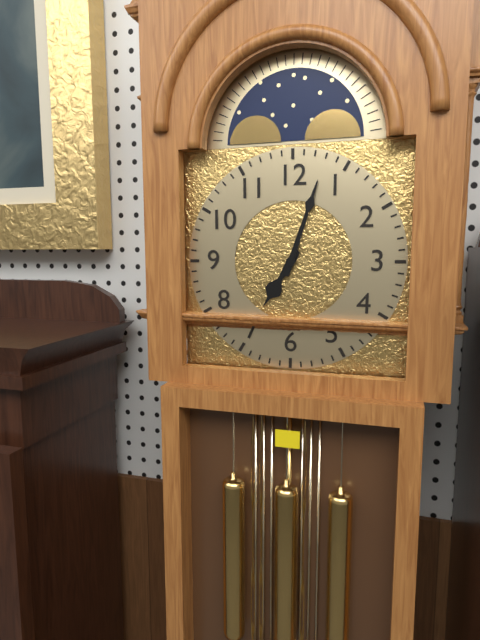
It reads 7 h 03 min
